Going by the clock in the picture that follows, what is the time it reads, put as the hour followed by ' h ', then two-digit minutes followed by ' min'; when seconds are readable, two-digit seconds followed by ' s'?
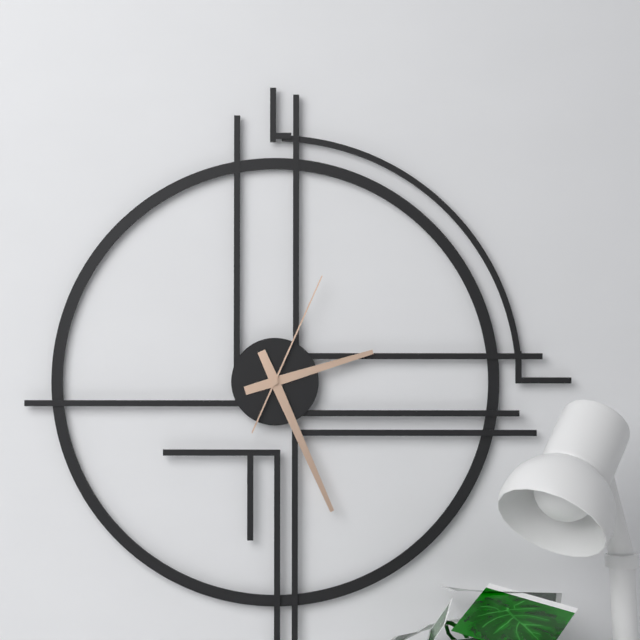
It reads 2 h 26 min 04 s
